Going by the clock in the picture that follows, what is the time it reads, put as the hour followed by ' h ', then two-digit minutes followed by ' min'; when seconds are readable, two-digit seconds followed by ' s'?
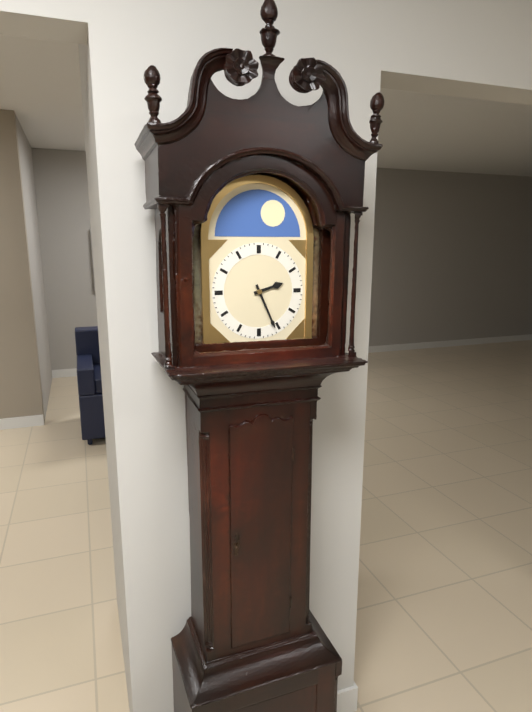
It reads 2 h 26 min
